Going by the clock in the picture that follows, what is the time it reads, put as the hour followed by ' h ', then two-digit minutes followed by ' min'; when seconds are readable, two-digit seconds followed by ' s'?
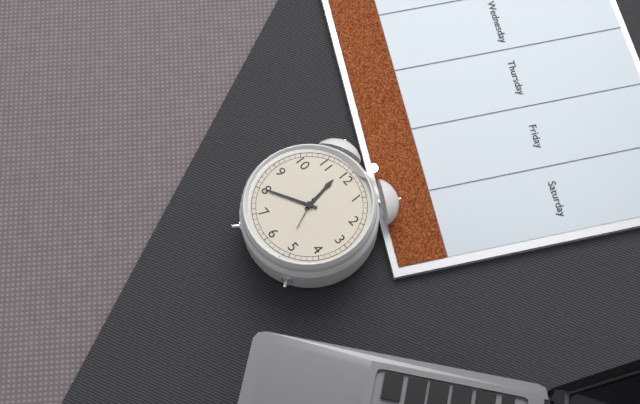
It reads 11 h 40 min
